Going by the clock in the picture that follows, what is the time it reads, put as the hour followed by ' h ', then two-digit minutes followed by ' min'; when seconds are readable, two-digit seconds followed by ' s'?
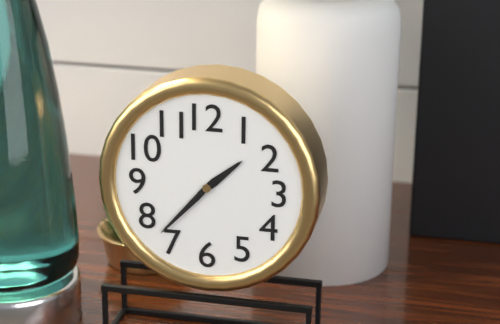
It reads 1 h 37 min
